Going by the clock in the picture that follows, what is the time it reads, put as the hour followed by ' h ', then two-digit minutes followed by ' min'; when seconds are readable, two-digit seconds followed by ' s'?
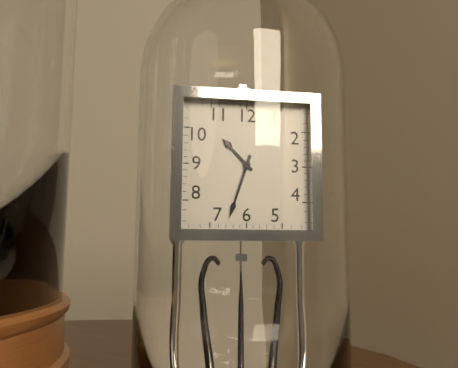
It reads 10 h 33 min
